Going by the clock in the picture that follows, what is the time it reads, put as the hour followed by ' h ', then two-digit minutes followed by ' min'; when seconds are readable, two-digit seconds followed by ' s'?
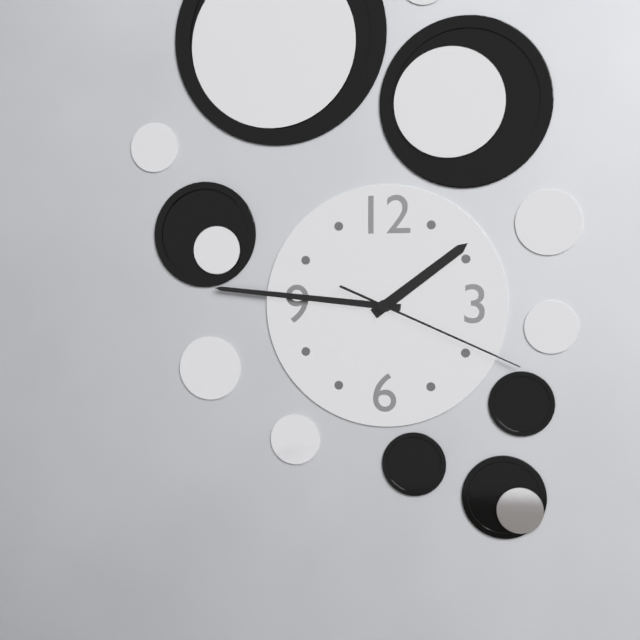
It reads 1 h 46 min 19 s
